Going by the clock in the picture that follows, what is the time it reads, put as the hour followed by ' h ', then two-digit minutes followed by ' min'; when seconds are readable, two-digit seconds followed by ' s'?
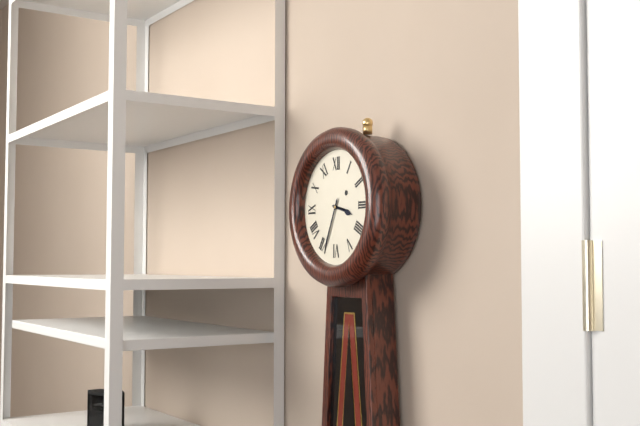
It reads 3 h 34 min
